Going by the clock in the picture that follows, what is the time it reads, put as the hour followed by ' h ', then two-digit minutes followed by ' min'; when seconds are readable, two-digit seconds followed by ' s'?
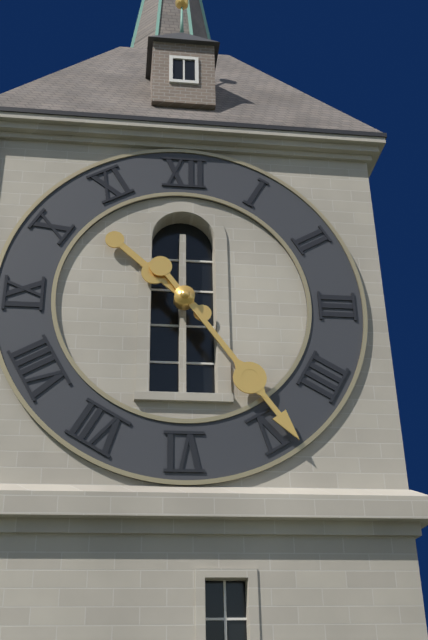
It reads 10 h 24 min
